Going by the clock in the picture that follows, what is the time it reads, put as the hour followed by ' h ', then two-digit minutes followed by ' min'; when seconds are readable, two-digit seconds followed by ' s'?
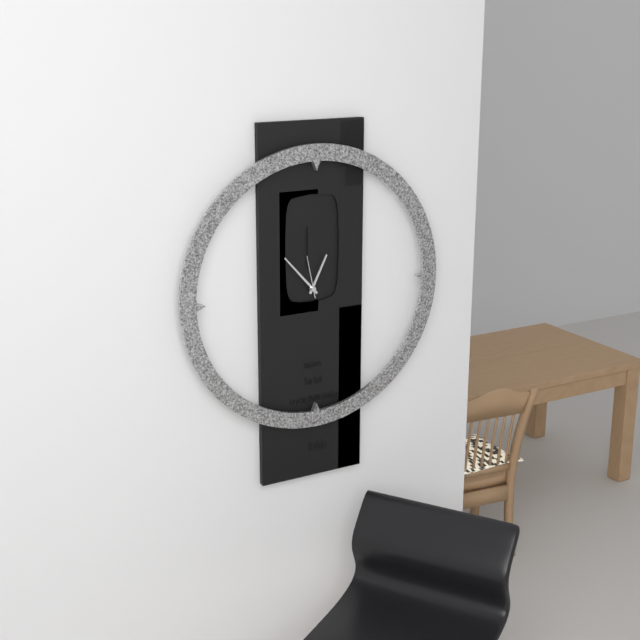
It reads 12 h 53 min
